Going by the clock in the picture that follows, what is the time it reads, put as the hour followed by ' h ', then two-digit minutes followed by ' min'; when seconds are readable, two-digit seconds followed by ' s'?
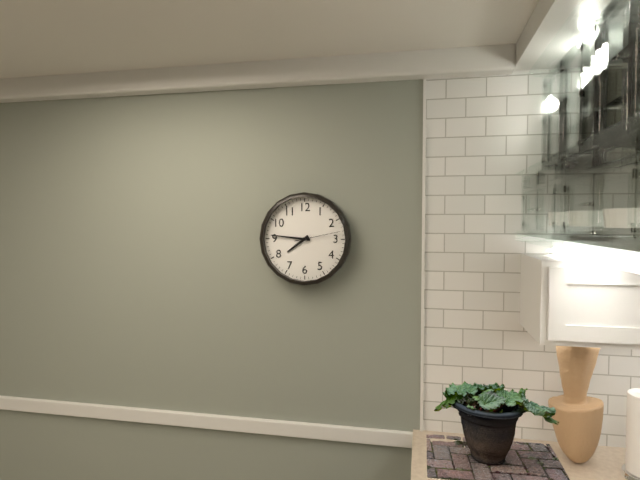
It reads 7 h 46 min
